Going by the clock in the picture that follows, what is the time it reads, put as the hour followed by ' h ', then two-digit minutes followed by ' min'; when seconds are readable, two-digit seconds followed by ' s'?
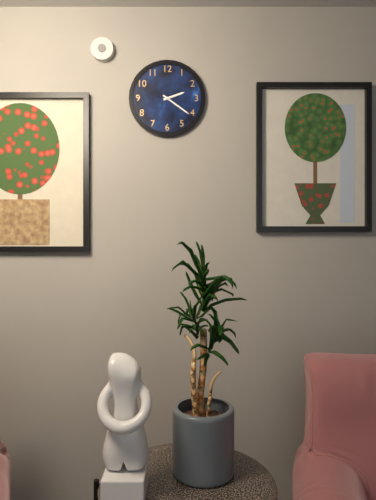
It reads 2 h 21 min
